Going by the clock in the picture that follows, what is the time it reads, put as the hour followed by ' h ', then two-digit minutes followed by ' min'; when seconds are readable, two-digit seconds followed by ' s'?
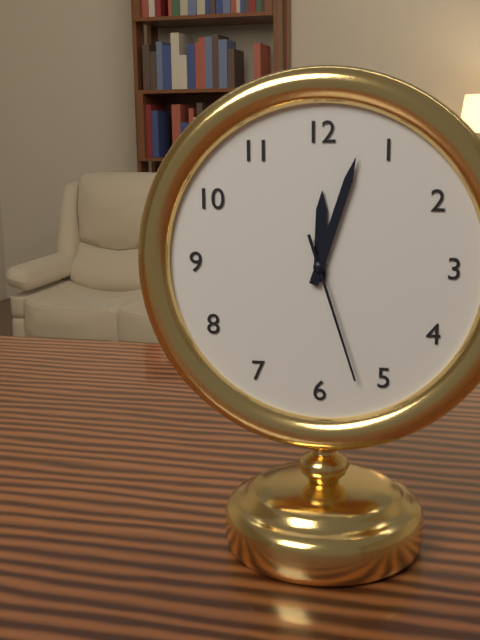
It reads 12 h 03 min 27 s
